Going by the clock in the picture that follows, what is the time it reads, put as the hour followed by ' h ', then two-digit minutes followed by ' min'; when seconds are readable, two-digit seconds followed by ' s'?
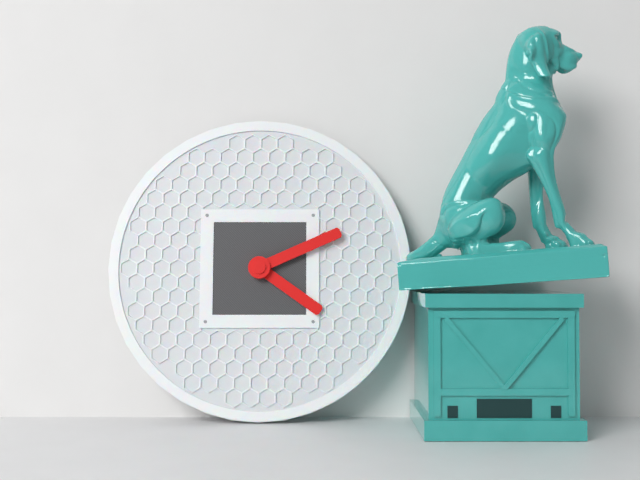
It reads 4 h 11 min
